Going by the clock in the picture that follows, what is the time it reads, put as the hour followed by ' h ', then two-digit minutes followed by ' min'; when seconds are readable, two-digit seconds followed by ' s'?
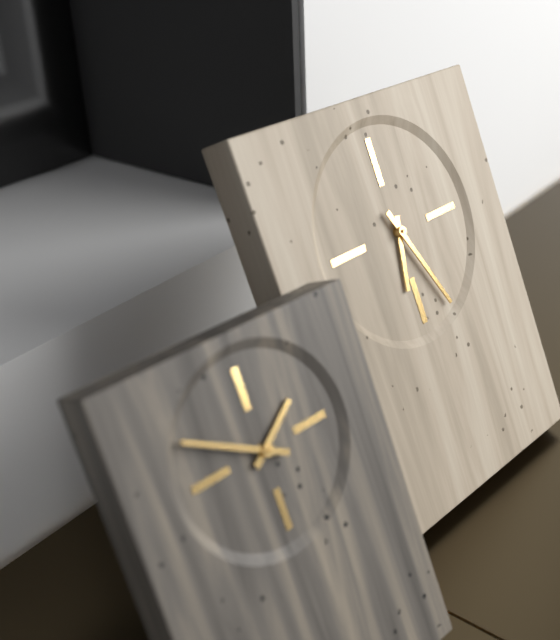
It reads 6 h 26 min
